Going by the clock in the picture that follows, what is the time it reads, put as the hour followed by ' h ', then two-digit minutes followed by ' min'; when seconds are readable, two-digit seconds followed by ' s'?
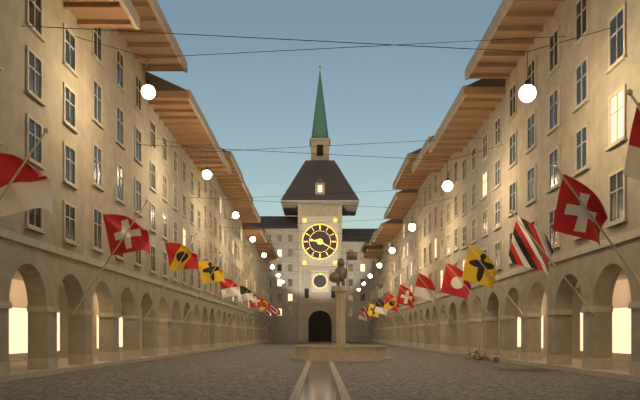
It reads 9 h 20 min
